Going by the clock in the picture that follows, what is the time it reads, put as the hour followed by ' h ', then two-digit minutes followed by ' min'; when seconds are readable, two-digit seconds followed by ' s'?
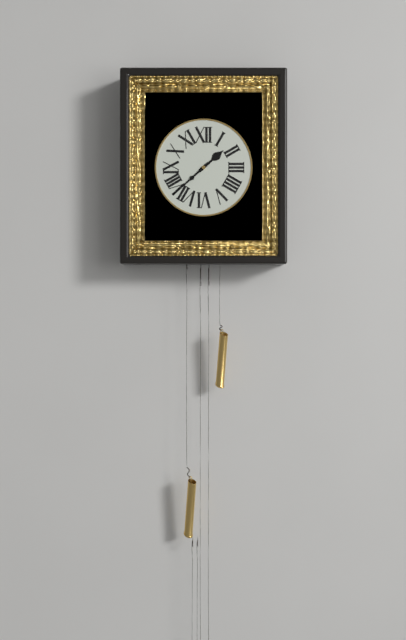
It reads 1 h 38 min
